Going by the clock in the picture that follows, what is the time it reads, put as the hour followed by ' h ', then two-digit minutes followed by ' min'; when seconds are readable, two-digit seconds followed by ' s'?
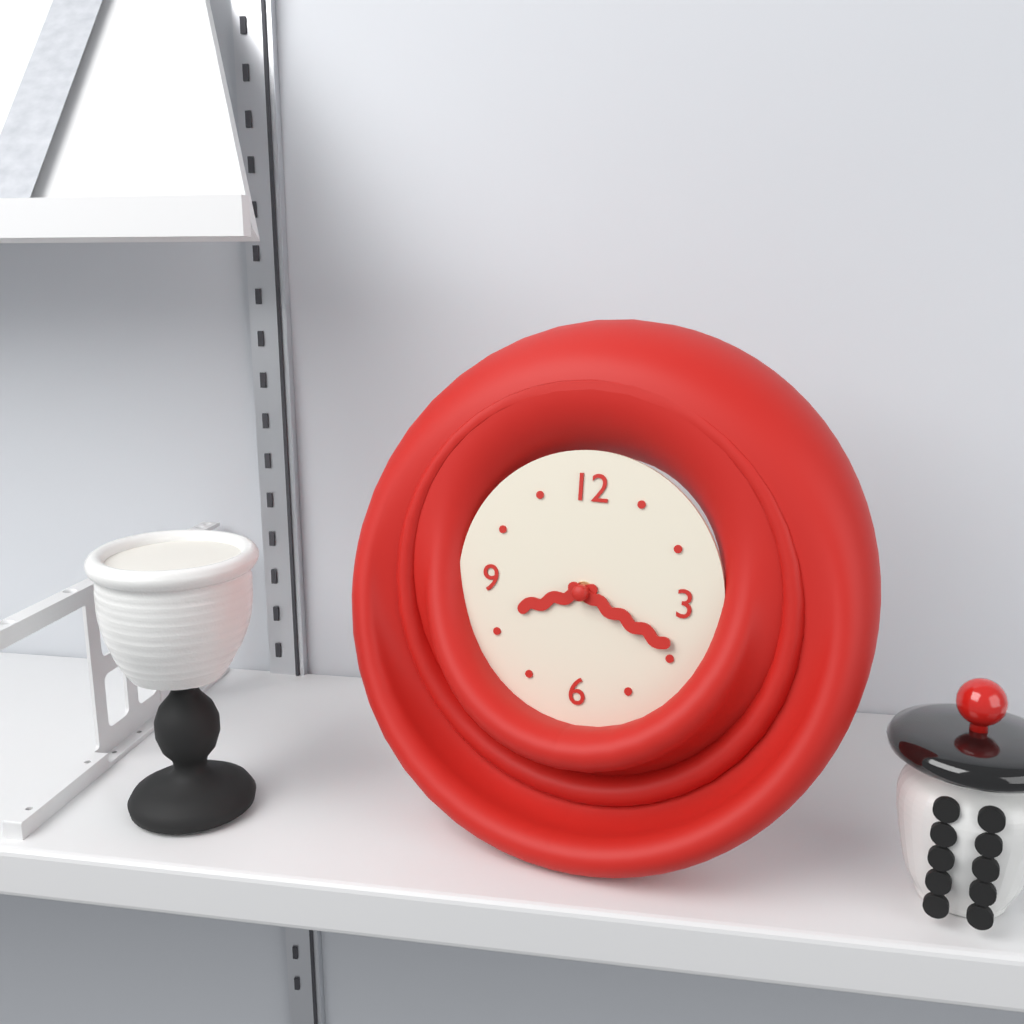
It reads 8 h 19 min
